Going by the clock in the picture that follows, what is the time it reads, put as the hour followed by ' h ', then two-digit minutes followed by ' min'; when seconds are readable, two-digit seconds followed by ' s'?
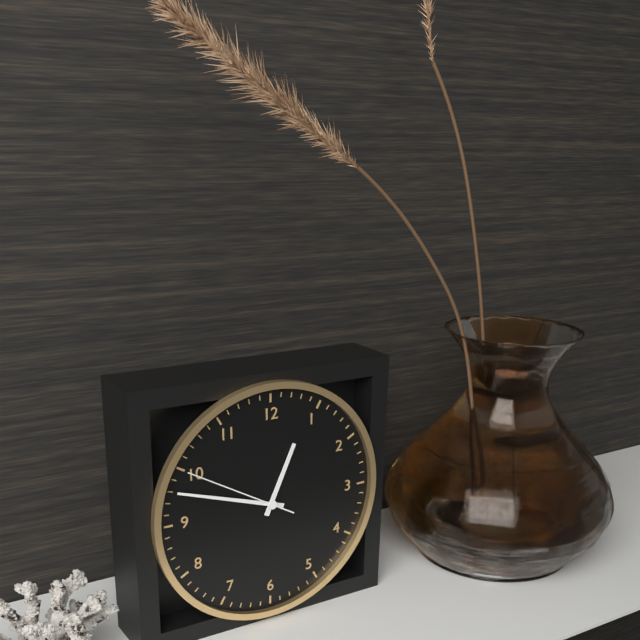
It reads 12 h 48 min 50 s
